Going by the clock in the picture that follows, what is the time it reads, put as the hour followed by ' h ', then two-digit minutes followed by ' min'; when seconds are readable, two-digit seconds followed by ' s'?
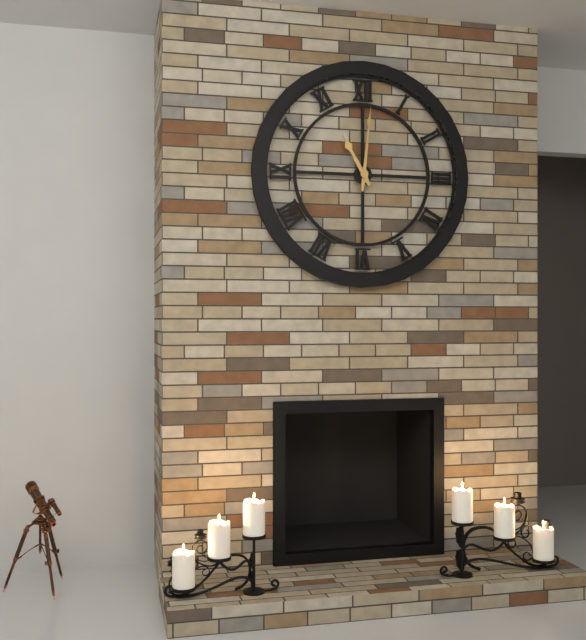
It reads 11 h 01 min
